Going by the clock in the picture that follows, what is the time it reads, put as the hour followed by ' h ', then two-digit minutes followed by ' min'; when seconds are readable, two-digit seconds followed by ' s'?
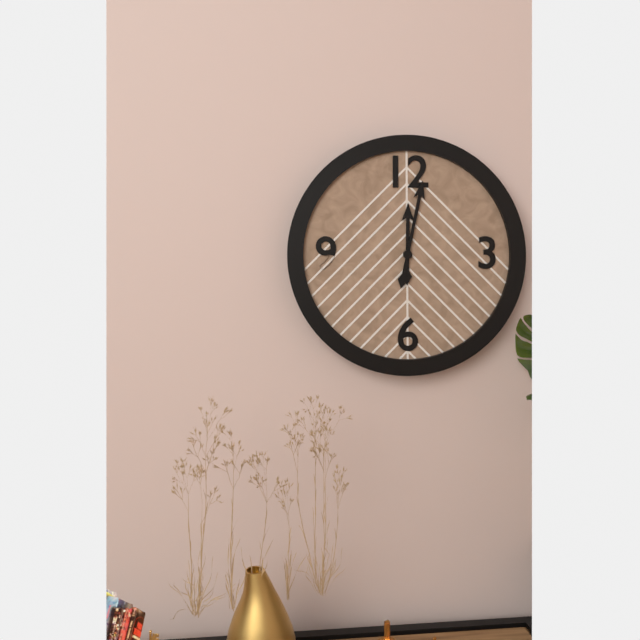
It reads 12 h 02 min
